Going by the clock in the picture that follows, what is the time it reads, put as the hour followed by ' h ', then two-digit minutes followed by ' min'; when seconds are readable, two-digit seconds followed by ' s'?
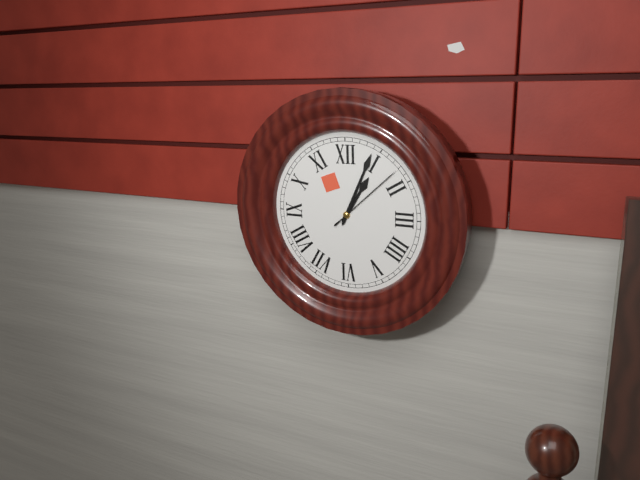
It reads 1 h 04 min 08 s
